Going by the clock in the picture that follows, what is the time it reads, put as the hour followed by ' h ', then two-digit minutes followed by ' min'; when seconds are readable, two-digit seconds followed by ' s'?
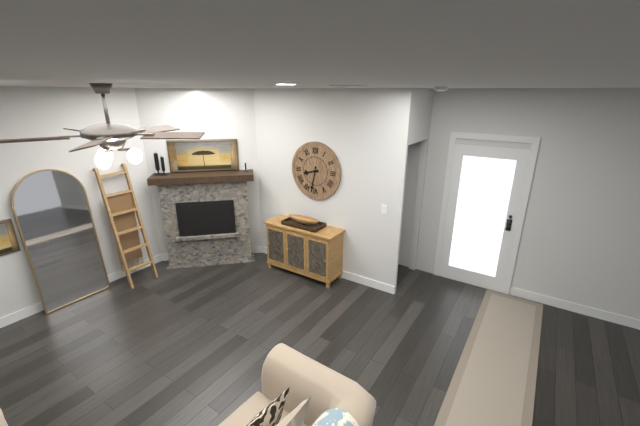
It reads 8 h 32 min
